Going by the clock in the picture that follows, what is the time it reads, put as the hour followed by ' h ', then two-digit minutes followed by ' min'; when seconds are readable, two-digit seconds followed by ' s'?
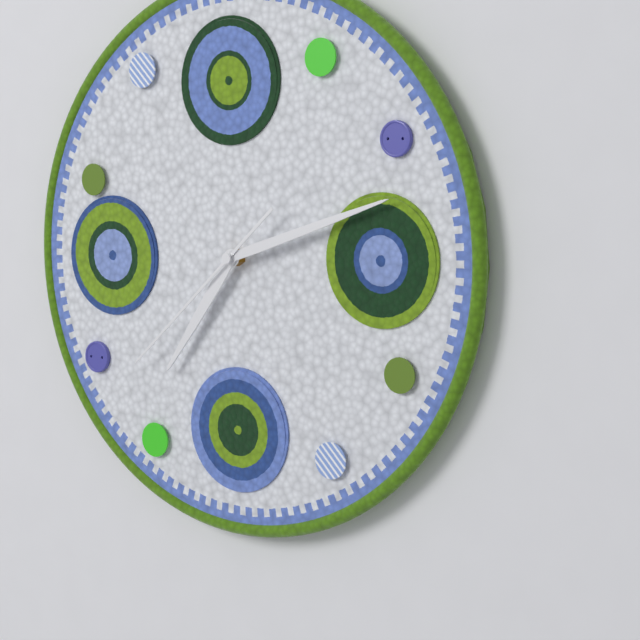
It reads 7 h 12 min 38 s
